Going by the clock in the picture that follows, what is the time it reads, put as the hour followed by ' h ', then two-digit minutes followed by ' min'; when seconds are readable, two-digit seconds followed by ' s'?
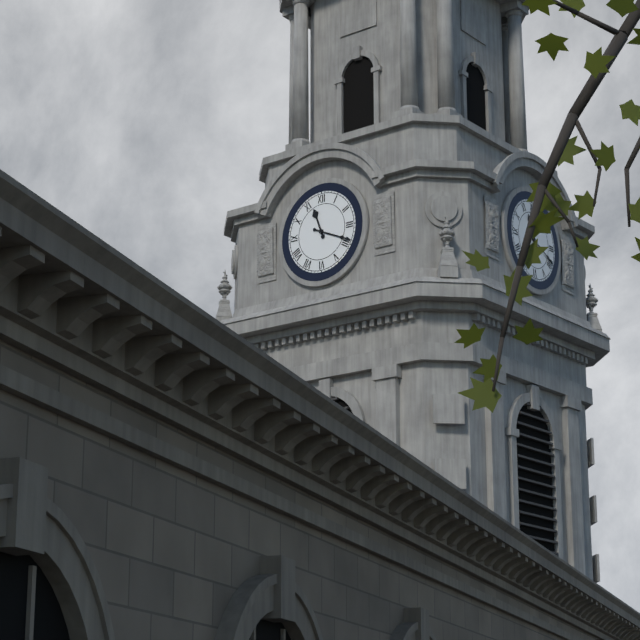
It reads 11 h 19 min
